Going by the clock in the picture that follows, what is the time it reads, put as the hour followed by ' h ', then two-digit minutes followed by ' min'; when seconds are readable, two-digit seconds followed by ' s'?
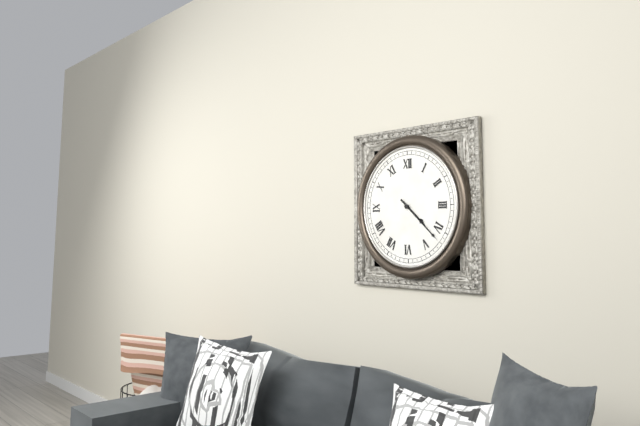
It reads 4 h 22 min
